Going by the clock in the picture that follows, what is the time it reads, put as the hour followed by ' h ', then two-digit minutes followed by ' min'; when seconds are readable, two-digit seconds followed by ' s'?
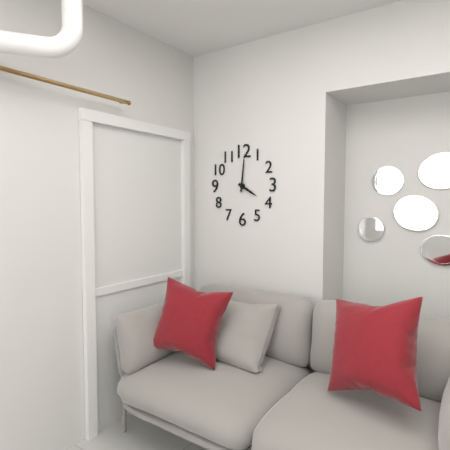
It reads 4 h 01 min
